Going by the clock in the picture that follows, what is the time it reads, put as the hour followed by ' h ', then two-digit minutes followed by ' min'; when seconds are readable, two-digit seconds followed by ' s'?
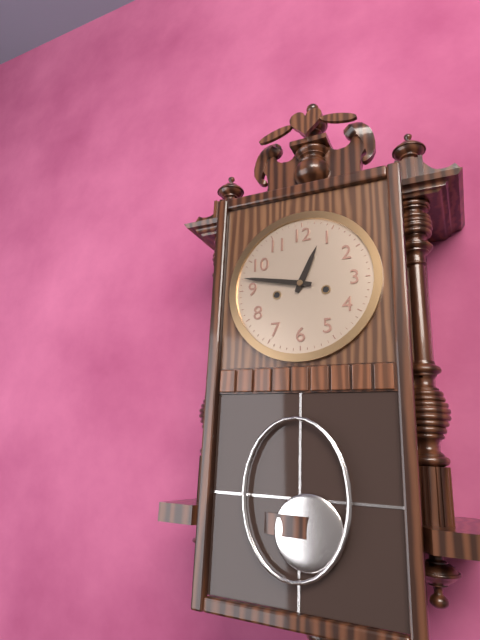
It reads 12 h 47 min
